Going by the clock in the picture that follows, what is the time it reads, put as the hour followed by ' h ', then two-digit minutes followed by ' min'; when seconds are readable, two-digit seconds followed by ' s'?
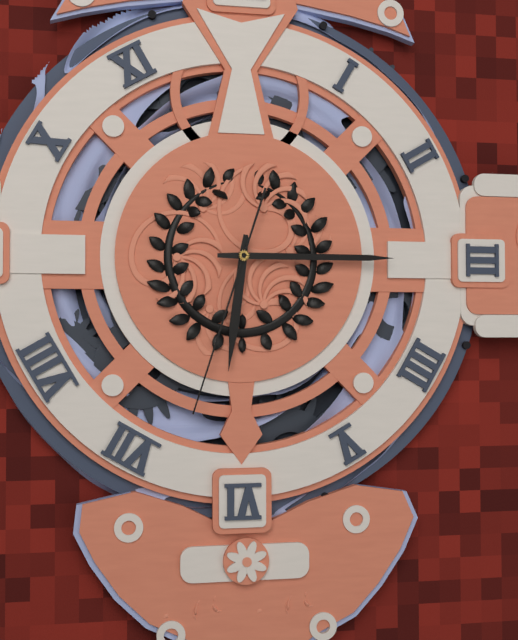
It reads 6 h 15 min 33 s
